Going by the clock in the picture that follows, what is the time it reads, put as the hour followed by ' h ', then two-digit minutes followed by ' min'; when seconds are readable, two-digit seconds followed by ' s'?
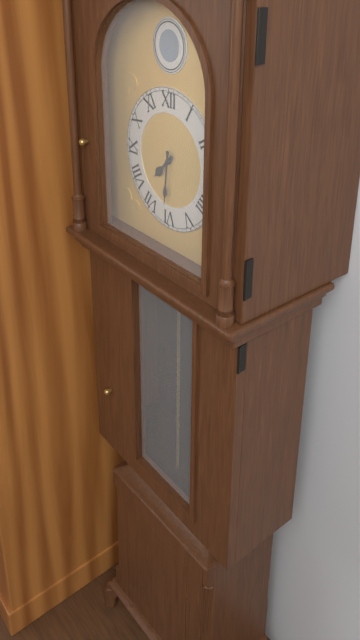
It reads 7 h 31 min
